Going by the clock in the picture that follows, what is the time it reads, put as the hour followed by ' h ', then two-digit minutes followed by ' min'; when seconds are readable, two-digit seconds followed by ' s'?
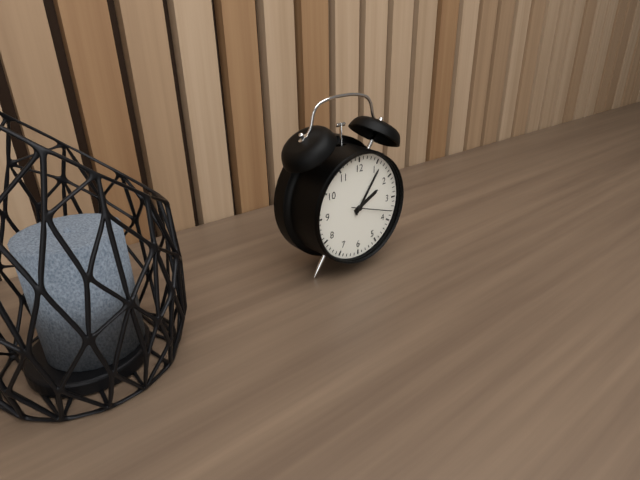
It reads 2 h 06 min 18 s
